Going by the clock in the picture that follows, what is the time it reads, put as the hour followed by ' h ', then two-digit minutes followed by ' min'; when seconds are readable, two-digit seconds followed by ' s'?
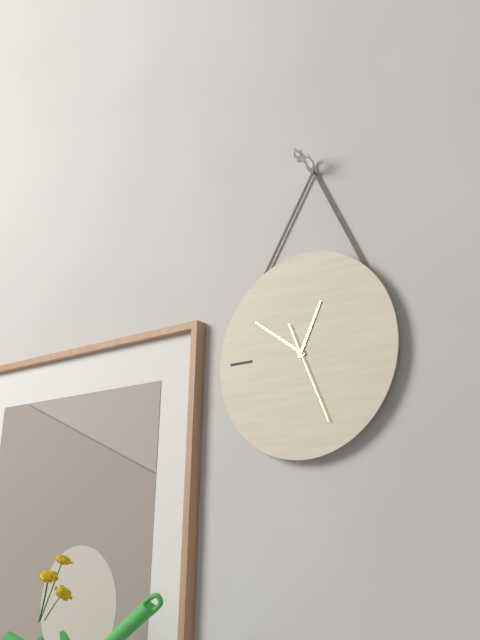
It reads 12 h 51 min 26 s
